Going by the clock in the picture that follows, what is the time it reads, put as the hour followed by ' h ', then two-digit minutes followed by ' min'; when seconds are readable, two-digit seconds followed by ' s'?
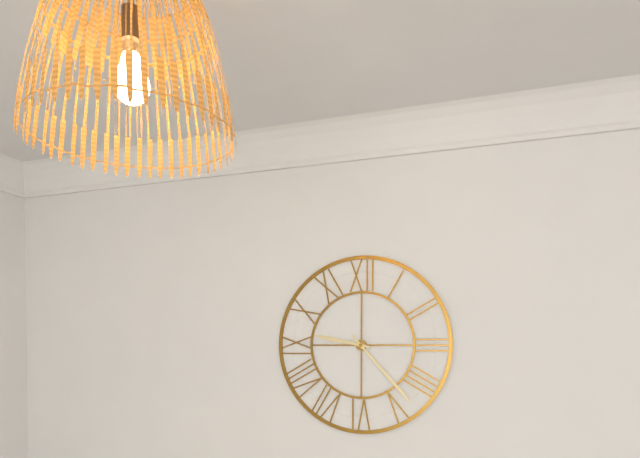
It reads 9 h 23 min
